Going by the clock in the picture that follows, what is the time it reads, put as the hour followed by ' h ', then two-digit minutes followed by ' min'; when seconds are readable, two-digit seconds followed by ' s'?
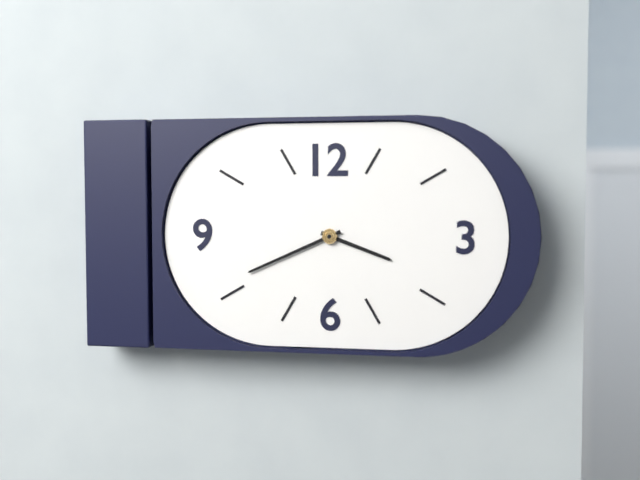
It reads 3 h 41 min
